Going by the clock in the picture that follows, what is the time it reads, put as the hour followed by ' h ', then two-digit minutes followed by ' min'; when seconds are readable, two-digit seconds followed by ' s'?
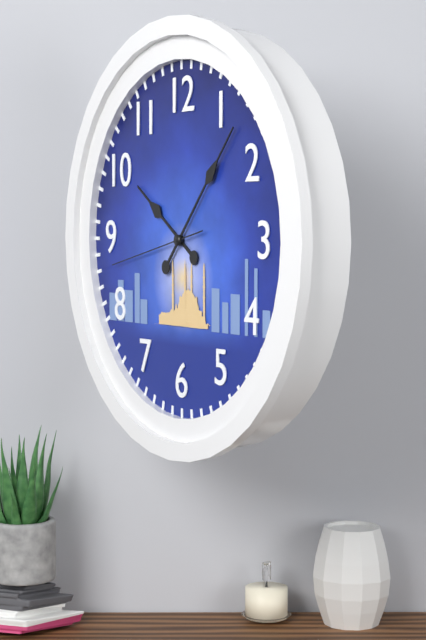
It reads 10 h 07 min 43 s
